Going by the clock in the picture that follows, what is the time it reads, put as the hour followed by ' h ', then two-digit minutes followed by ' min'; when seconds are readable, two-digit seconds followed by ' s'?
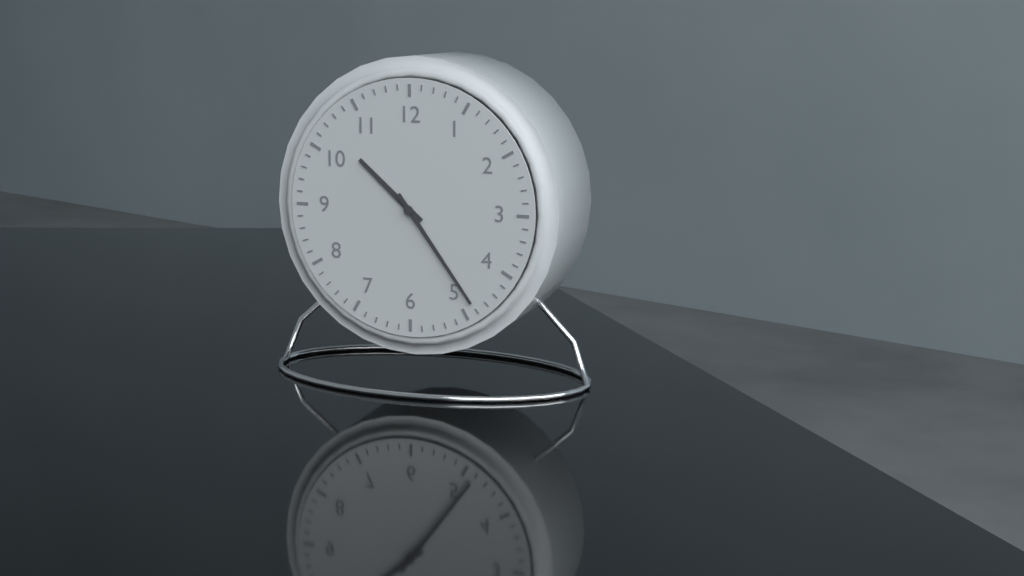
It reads 10 h 24 min
